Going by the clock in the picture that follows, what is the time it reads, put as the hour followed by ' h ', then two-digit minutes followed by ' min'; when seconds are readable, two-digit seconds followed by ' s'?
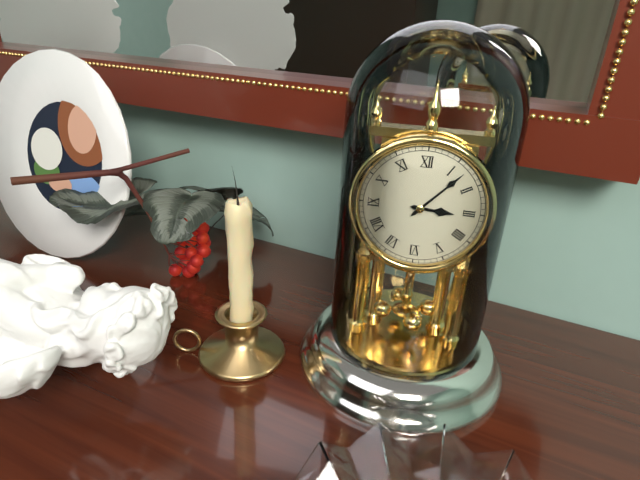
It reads 3 h 07 min
